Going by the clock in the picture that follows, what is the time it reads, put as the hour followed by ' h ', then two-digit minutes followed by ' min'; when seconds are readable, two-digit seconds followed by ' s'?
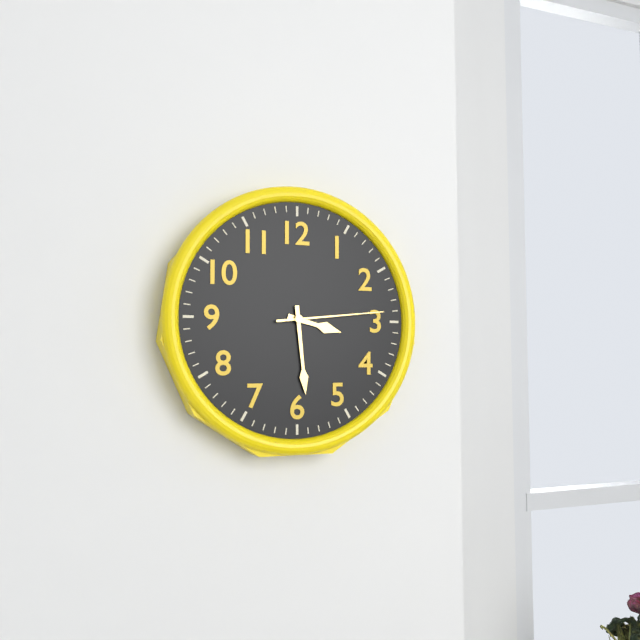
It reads 3 h 29 min 14 s
